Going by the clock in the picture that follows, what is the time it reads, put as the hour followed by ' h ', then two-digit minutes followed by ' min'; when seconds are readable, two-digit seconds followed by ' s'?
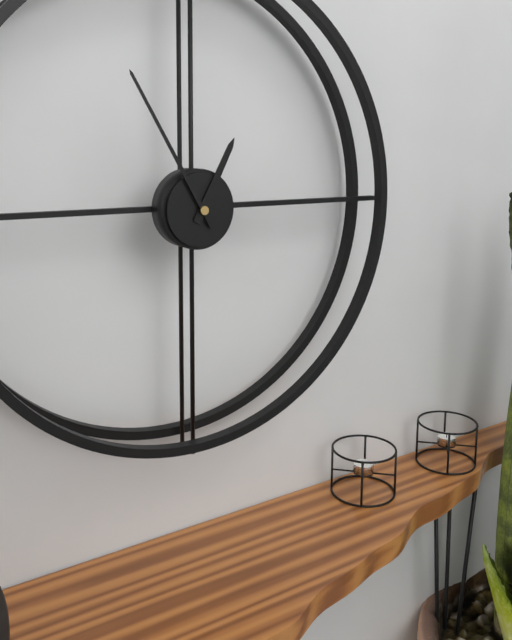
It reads 12 h 55 min
